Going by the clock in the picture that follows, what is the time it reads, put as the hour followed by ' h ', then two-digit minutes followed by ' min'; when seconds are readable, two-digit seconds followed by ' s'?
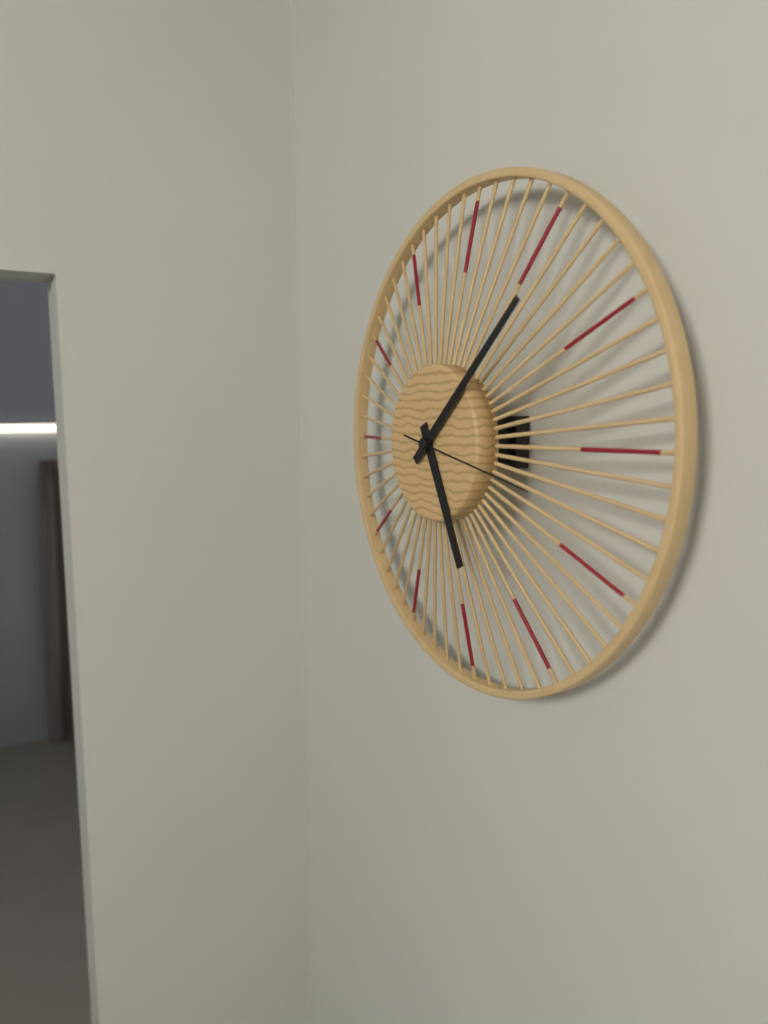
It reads 5 h 08 min 17 s
